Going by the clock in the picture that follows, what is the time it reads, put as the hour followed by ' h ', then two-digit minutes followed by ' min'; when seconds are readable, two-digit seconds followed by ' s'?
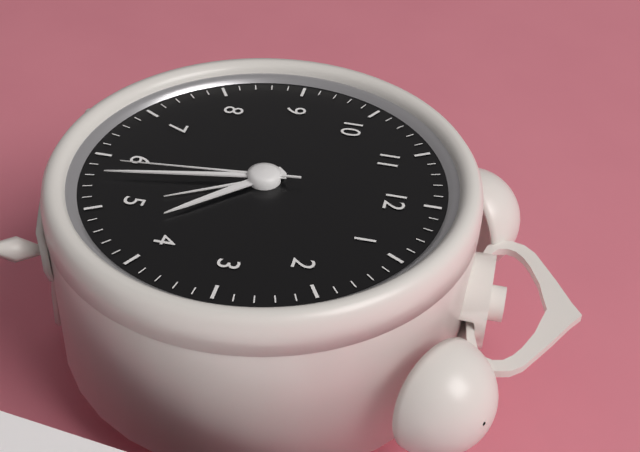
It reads 4 h 28 min 29 s
